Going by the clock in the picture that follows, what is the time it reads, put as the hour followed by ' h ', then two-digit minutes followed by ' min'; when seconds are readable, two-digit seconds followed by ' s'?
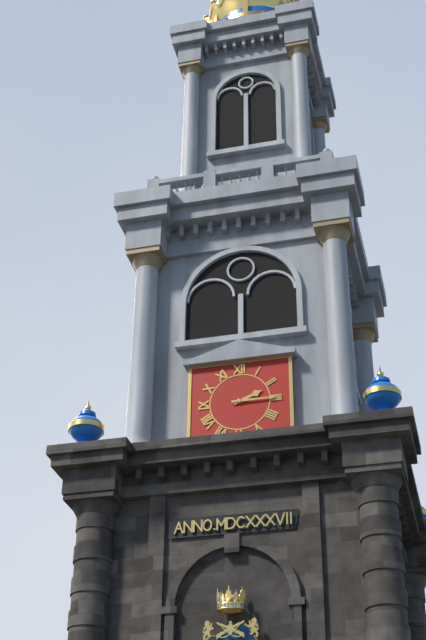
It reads 2 h 15 min
